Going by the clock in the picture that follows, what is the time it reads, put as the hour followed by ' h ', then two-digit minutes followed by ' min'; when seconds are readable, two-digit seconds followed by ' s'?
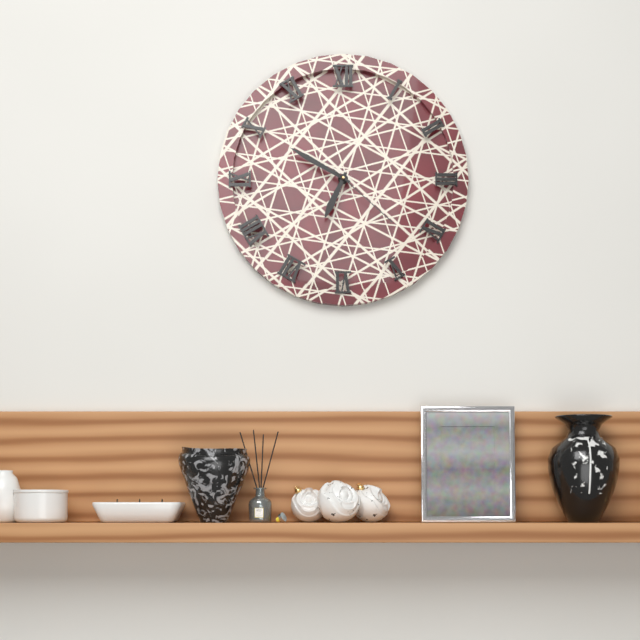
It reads 6 h 50 min 22 s
